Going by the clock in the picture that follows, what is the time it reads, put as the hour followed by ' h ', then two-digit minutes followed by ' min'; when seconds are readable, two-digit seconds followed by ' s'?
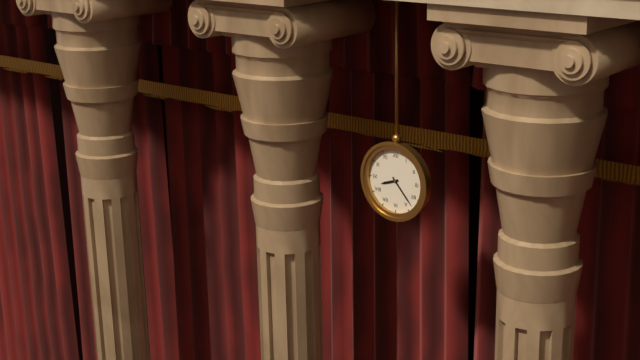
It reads 8 h 23 min
